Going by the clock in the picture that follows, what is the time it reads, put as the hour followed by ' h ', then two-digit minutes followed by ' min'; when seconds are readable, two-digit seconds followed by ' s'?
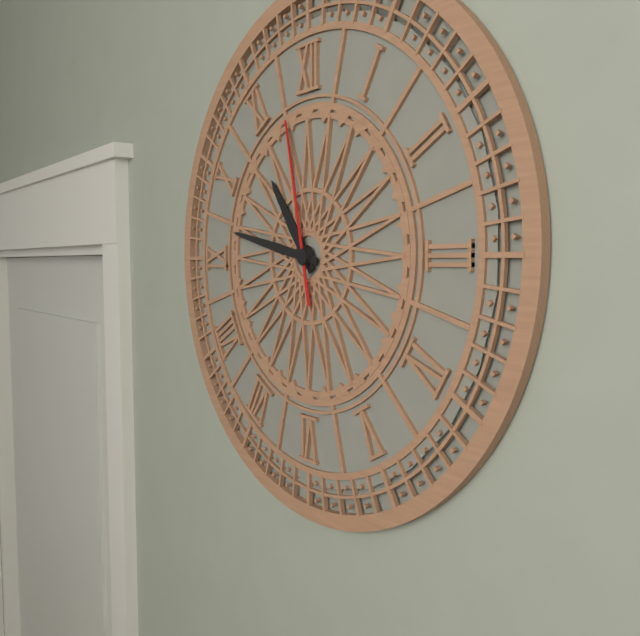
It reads 10 h 47 min 58 s
